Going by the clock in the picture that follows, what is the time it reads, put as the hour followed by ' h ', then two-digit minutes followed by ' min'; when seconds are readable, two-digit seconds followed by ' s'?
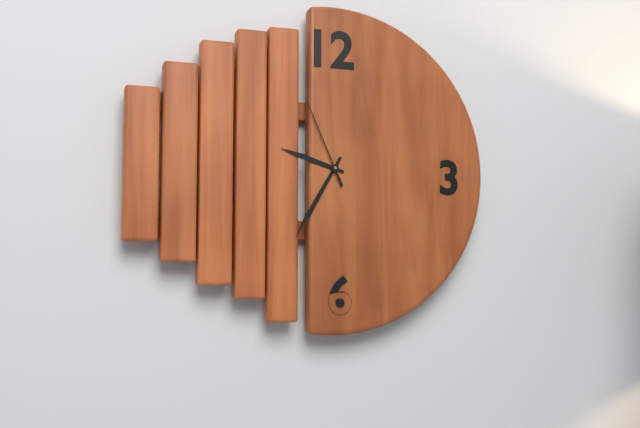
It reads 9 h 35 min 56 s
